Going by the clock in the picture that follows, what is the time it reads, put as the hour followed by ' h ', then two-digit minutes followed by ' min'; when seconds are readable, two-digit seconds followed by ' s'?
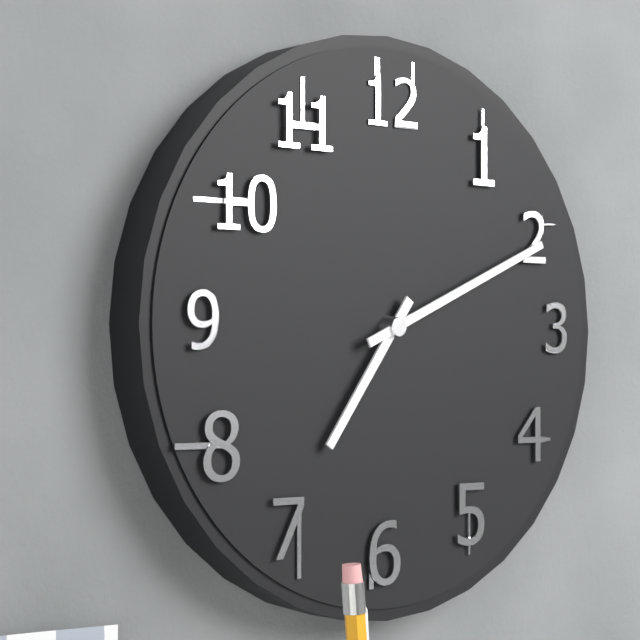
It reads 7 h 11 min
